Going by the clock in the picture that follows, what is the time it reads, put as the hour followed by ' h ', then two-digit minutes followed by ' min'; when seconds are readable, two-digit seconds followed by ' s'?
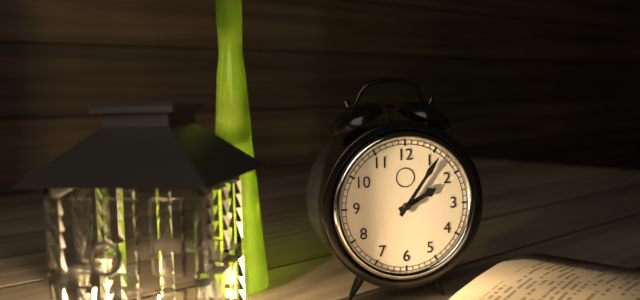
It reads 2 h 06 min
